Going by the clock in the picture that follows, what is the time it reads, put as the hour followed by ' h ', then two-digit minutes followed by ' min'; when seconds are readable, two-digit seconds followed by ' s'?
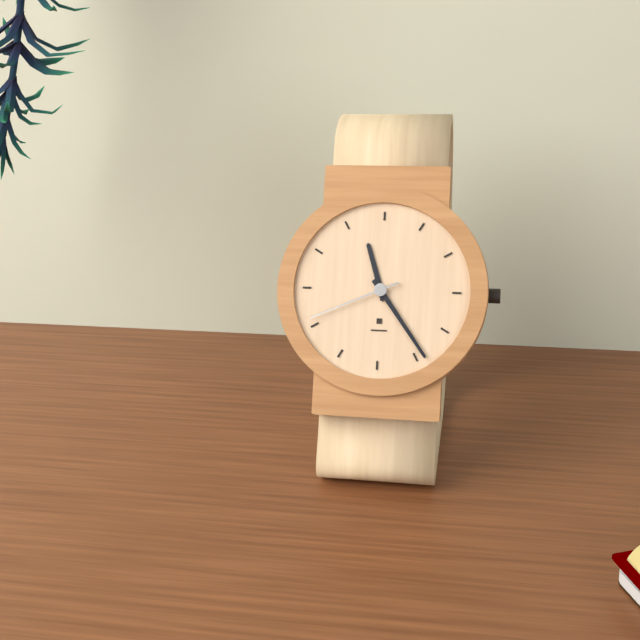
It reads 11 h 24 min 41 s
